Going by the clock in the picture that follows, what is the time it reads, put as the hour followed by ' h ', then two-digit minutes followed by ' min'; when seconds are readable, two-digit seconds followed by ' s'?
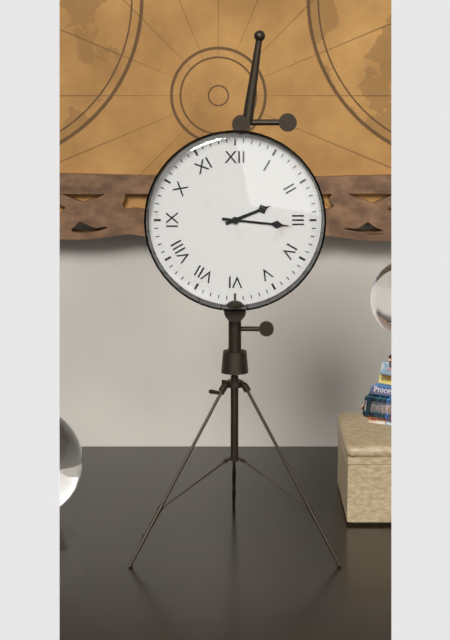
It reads 2 h 16 min
